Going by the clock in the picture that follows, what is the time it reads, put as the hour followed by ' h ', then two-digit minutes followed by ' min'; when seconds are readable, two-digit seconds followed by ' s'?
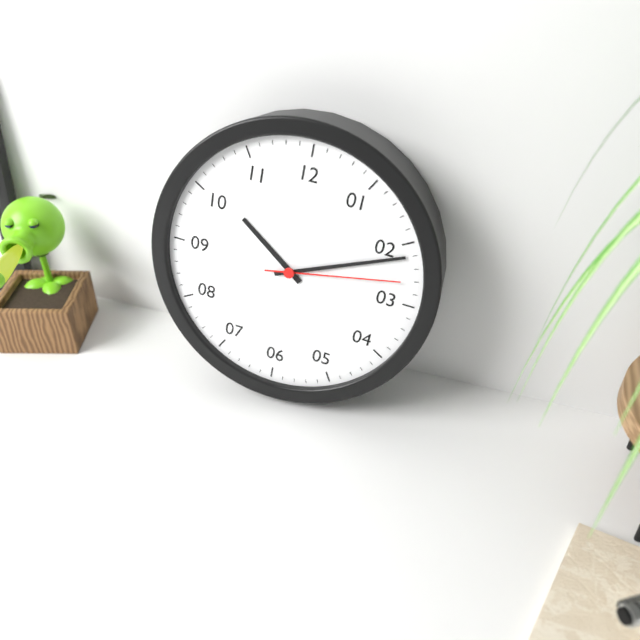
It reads 10 h 11 min 13 s
